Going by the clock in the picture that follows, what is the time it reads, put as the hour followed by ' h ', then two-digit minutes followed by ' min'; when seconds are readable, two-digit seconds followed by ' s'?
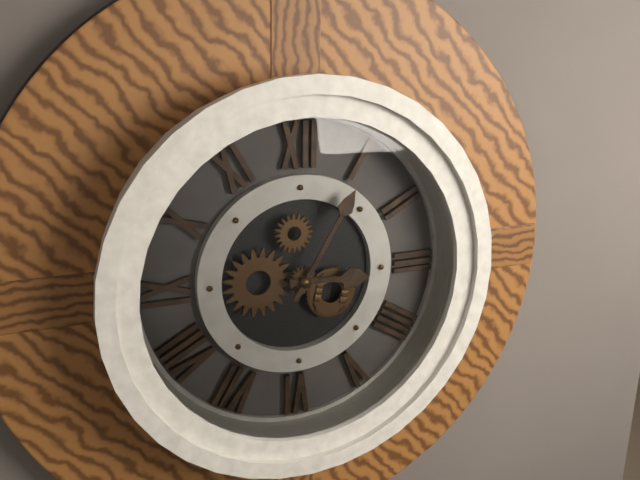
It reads 3 h 05 min
